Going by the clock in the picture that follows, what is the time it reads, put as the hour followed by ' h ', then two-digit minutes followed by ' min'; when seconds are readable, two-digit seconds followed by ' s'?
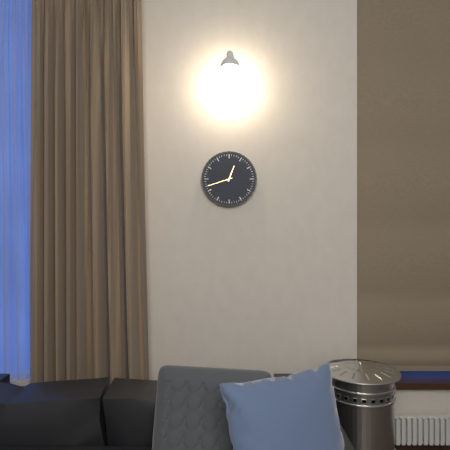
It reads 12 h 42 min
